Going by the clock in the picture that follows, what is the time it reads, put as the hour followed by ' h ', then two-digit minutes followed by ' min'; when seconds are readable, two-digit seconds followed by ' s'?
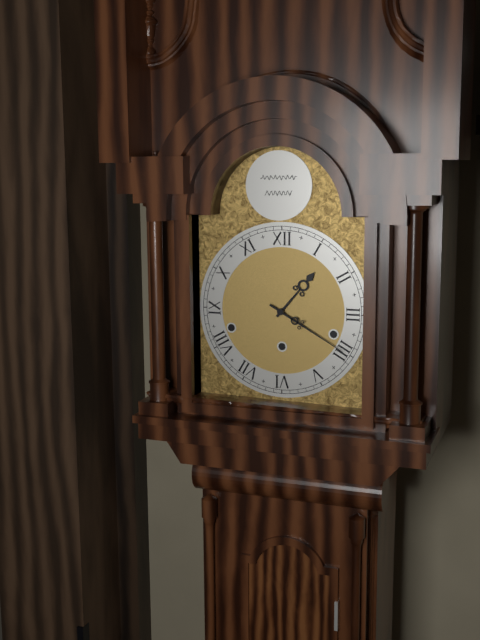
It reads 1 h 20 min
